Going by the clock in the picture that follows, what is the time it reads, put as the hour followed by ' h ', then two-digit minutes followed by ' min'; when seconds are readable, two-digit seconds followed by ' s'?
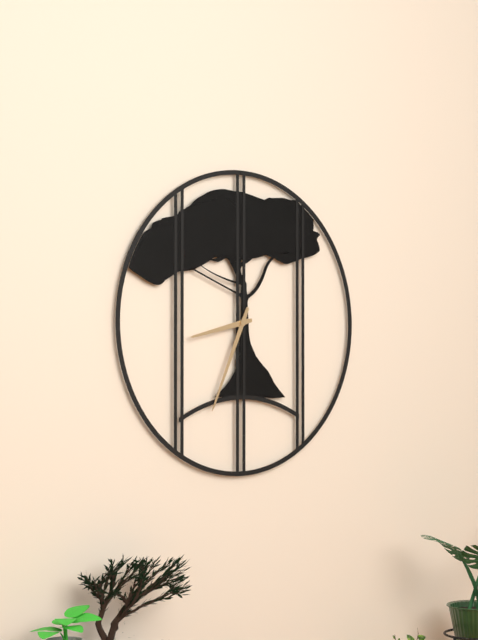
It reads 8 h 34 min
